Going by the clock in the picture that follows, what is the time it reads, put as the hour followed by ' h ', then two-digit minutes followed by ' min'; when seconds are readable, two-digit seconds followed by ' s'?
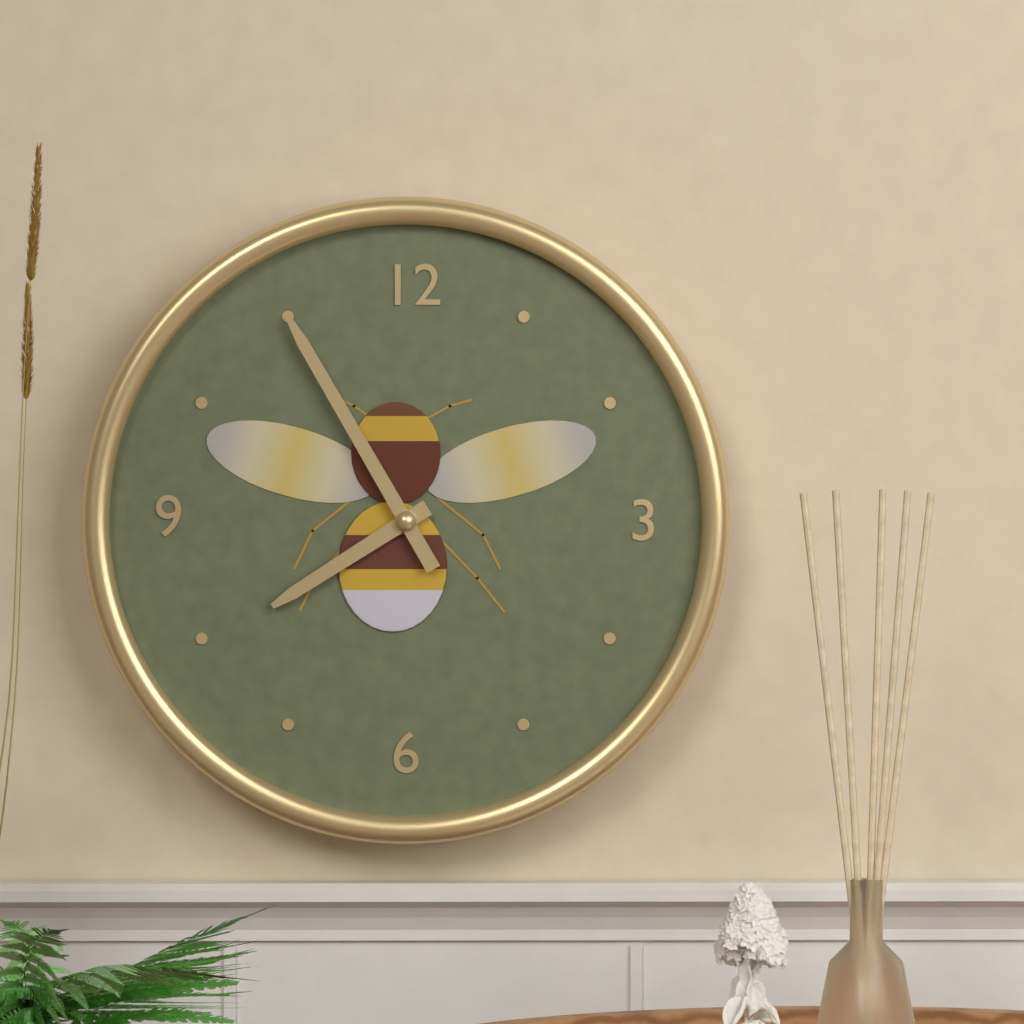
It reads 7 h 55 min
